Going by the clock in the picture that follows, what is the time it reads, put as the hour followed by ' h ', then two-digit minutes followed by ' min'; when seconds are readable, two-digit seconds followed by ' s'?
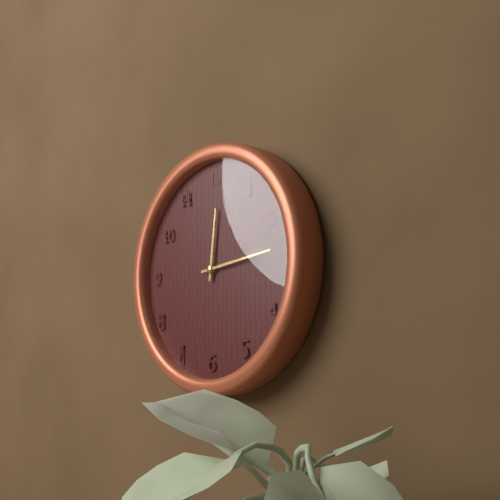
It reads 12 h 14 min
